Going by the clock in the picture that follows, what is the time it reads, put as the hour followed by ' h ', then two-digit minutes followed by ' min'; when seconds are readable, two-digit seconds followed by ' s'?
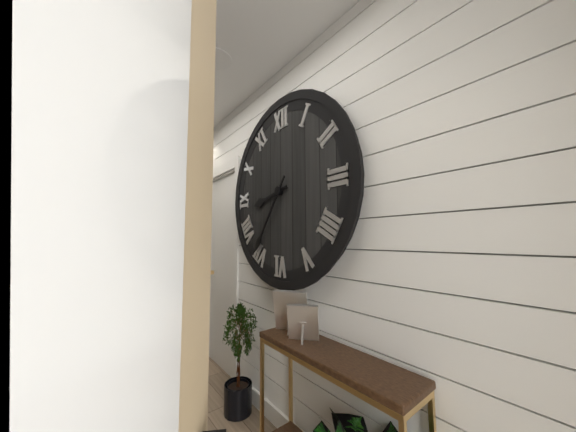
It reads 8 h 36 min
